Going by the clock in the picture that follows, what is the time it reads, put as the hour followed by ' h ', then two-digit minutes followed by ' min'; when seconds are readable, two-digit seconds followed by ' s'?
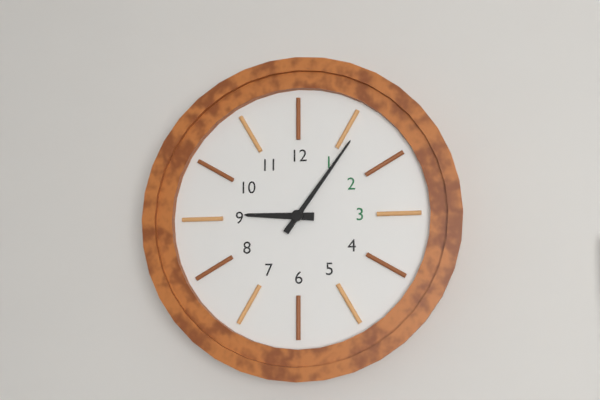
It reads 9 h 06 min
